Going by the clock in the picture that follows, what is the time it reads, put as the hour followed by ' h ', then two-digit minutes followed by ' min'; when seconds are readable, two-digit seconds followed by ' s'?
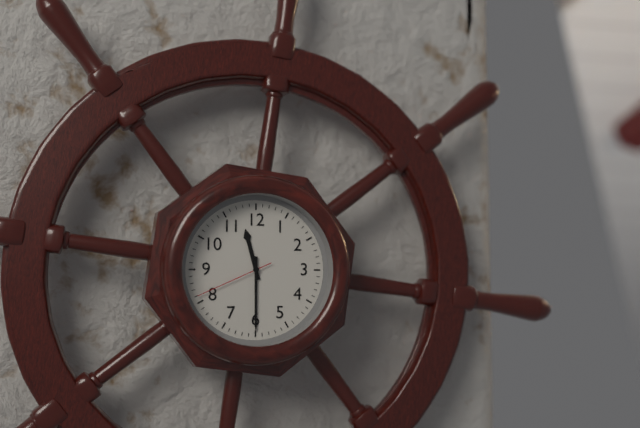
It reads 11 h 30 min 41 s
